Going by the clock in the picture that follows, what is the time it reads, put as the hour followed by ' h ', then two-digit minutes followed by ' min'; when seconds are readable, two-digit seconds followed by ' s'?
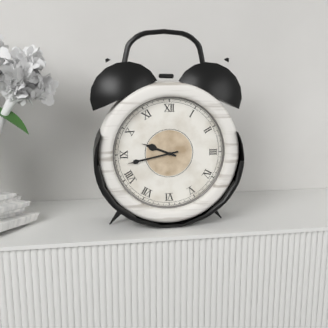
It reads 9 h 43 min
